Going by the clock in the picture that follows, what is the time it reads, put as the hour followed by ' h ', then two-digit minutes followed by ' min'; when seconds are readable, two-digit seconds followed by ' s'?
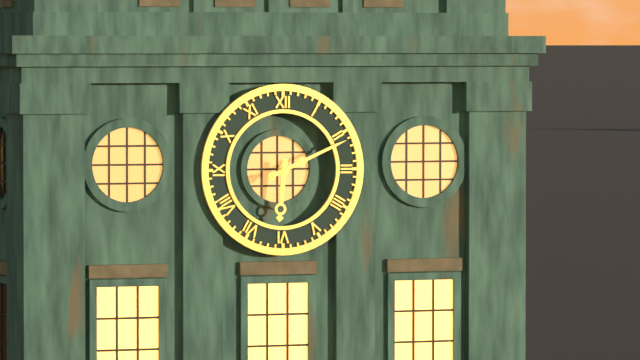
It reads 6 h 11 min
